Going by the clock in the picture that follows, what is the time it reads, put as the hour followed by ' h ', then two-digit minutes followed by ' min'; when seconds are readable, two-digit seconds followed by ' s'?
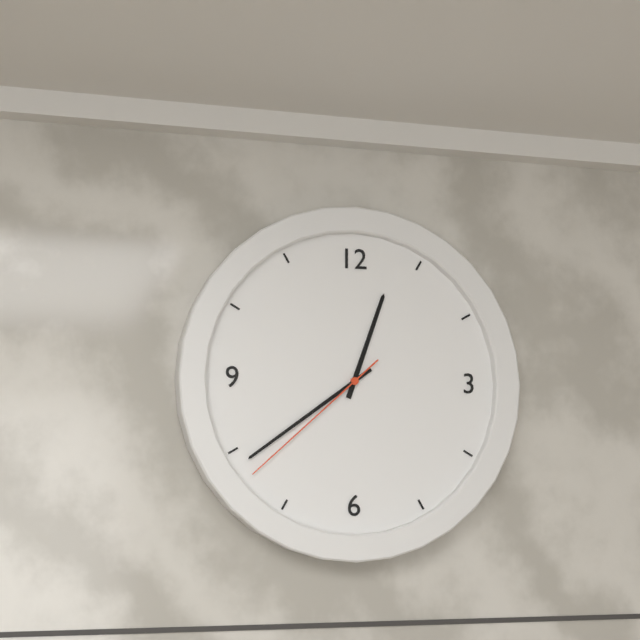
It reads 12 h 39 min 38 s
